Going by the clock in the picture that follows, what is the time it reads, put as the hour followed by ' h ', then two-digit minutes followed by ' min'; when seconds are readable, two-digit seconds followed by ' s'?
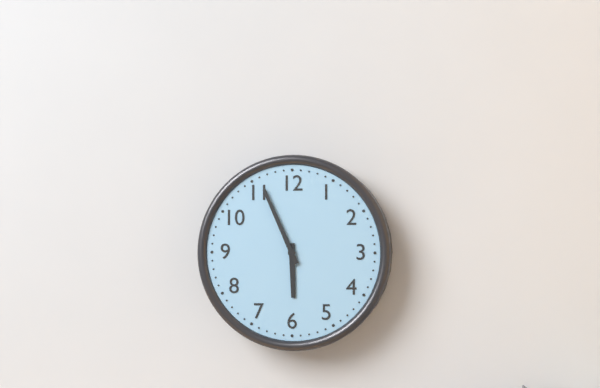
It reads 5 h 56 min
